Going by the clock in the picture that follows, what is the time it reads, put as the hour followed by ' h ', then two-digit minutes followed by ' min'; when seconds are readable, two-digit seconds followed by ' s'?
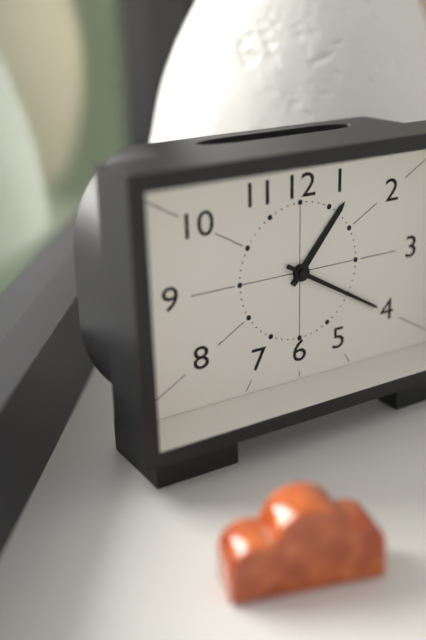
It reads 1 h 20 min
